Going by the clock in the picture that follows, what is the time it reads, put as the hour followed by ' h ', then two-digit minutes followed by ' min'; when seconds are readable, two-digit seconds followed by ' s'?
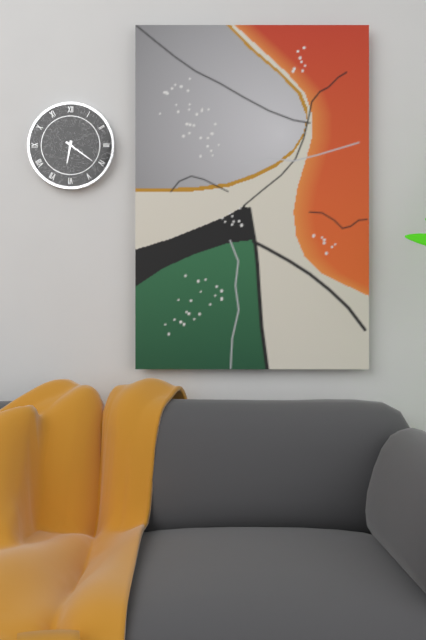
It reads 6 h 21 min
